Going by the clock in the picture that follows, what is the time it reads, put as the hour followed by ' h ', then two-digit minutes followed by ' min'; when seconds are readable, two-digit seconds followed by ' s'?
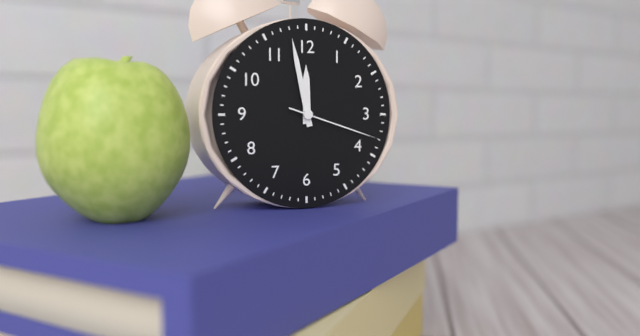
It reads 11 h 58 min 18 s
